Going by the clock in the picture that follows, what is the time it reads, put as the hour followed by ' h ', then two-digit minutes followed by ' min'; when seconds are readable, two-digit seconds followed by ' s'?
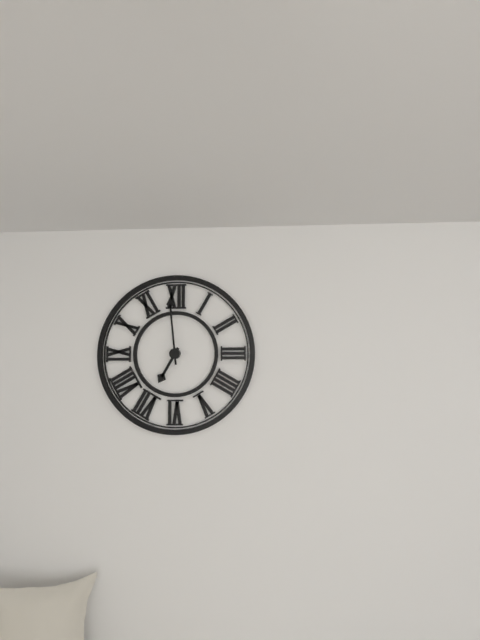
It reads 6 h 59 min
